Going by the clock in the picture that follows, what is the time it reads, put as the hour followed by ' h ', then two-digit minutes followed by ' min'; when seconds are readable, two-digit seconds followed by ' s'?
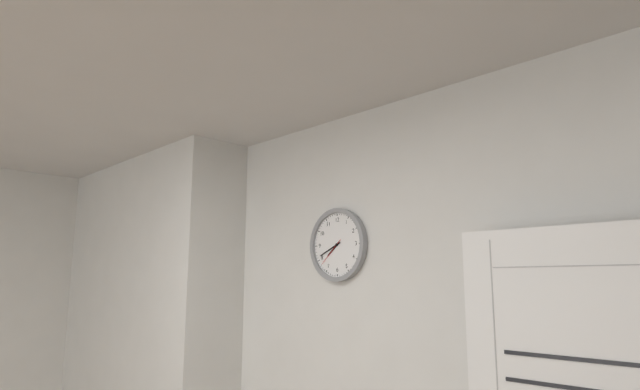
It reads 7 h 41 min
